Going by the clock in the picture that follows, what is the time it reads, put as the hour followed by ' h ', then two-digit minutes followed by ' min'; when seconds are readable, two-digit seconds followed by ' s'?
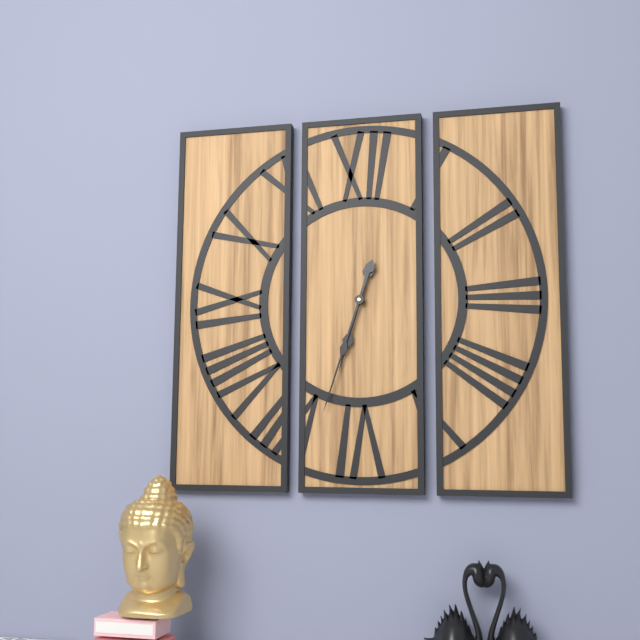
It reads 6 h 33 min
